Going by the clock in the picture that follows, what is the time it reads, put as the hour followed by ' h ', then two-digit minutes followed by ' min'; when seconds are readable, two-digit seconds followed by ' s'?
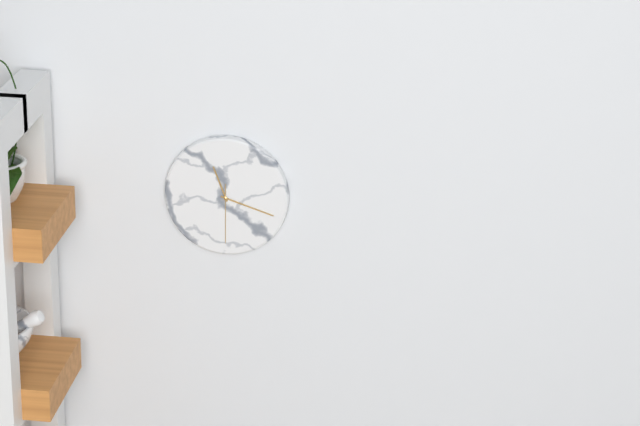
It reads 11 h 18 min 30 s
